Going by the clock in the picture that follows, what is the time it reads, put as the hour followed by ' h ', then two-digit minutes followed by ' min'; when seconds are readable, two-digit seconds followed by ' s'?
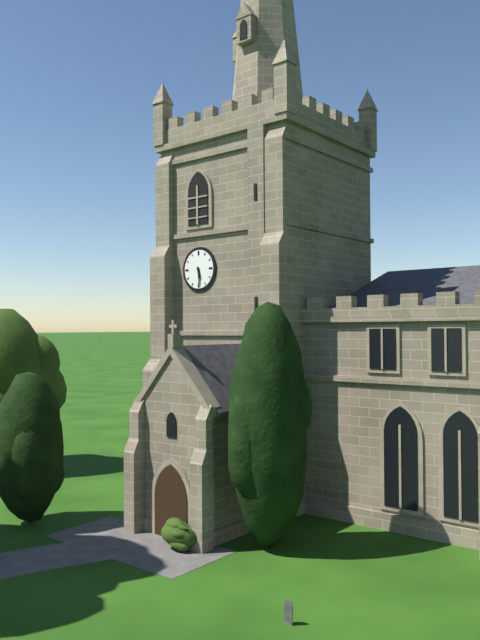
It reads 5 h 29 min
